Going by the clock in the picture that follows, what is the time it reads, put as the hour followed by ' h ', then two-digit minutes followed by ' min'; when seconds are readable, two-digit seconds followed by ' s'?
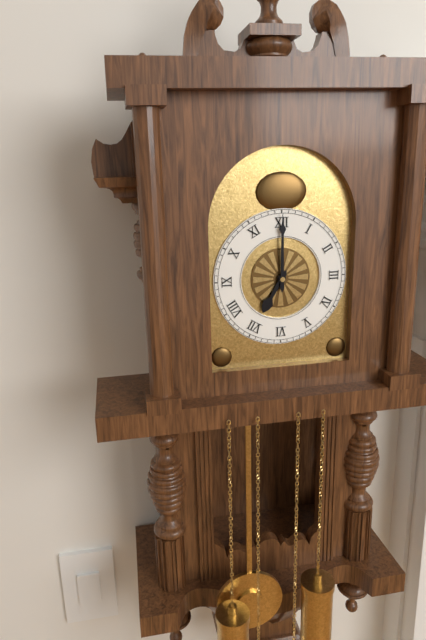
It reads 7 h 00 min
